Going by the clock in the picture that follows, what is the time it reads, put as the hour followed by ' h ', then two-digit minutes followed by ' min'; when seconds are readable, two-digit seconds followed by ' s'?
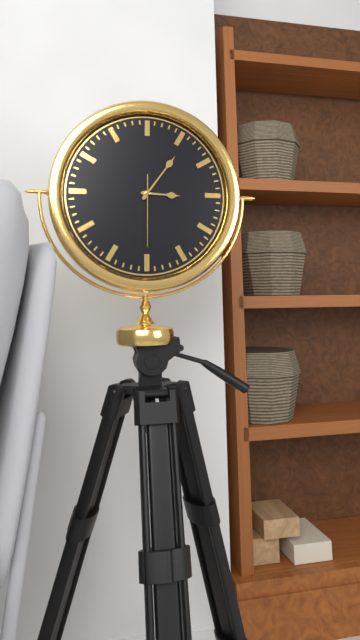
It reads 3 h 06 min 30 s
